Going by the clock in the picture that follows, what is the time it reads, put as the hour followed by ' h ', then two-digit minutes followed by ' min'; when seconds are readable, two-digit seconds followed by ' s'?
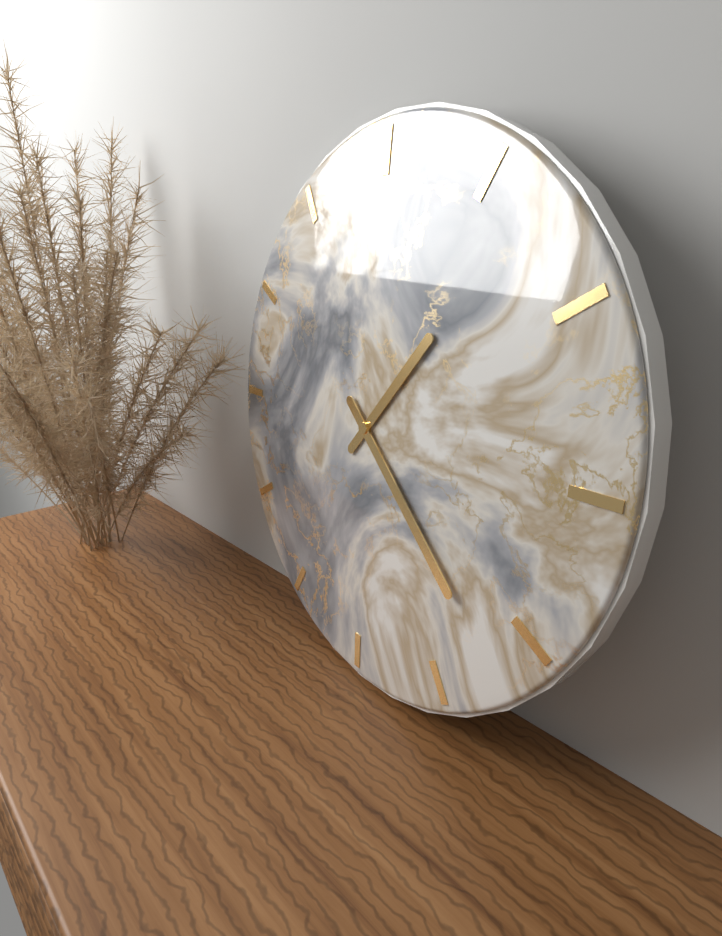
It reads 1 h 22 min
